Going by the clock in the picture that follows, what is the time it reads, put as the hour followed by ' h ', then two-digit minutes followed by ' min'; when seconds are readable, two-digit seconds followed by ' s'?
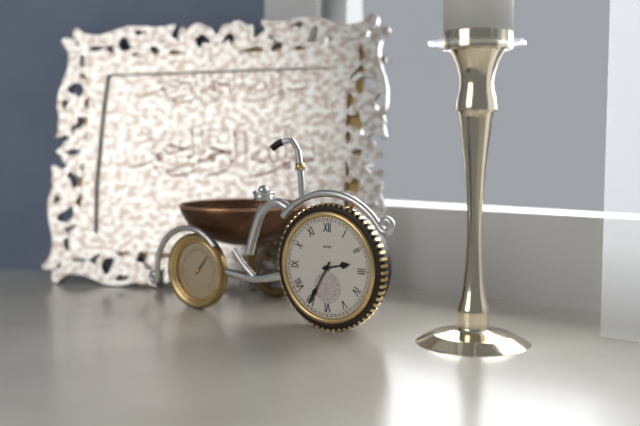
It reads 2 h 35 min
